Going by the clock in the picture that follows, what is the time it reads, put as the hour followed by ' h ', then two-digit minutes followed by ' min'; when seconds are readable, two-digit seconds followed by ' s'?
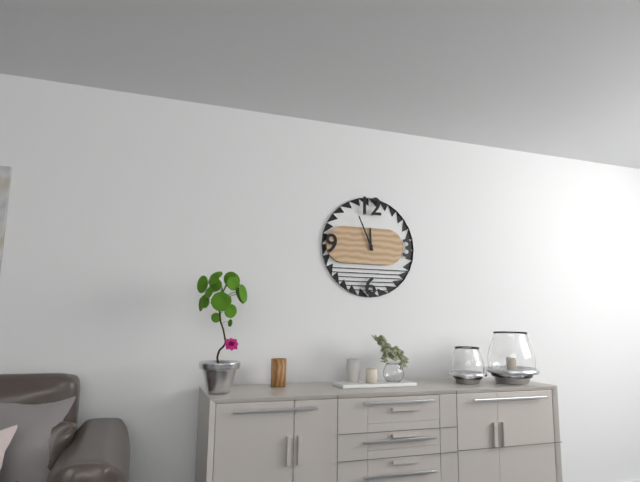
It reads 11 h 56 min
